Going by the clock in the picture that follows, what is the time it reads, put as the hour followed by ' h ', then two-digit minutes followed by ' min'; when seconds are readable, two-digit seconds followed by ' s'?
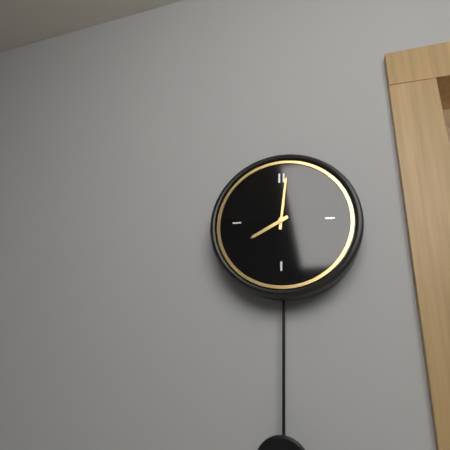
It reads 8 h 01 min
